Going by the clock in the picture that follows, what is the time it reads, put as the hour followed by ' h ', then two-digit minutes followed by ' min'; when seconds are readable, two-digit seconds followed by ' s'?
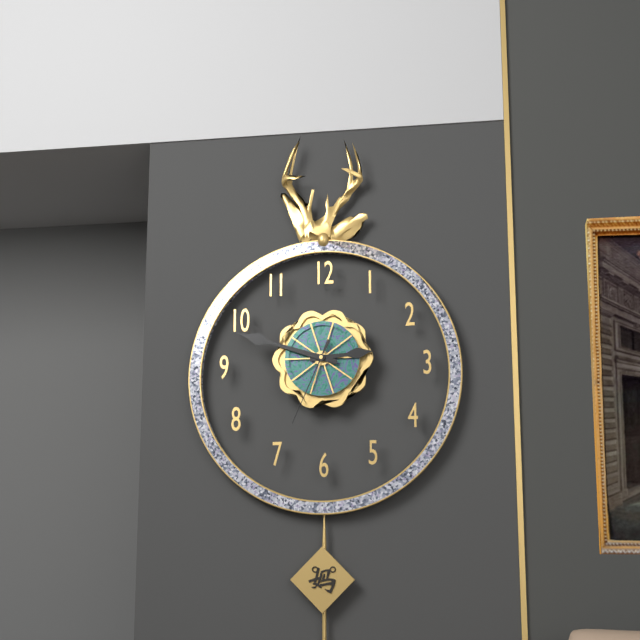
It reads 2 h 48 min 34 s
